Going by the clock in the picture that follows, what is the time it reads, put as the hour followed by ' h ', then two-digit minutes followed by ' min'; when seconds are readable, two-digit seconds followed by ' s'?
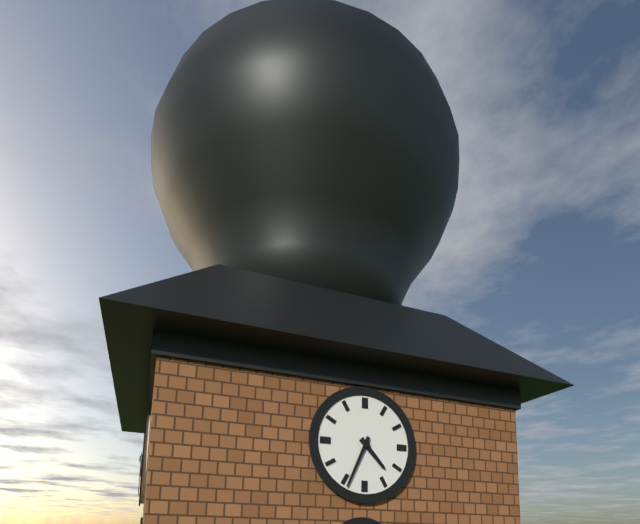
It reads 4 h 34 min
